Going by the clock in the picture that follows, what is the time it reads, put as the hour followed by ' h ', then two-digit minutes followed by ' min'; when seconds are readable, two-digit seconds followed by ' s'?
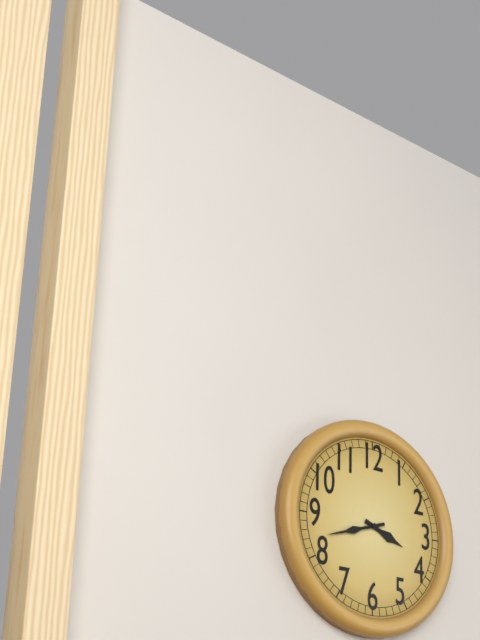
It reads 3 h 42 min
